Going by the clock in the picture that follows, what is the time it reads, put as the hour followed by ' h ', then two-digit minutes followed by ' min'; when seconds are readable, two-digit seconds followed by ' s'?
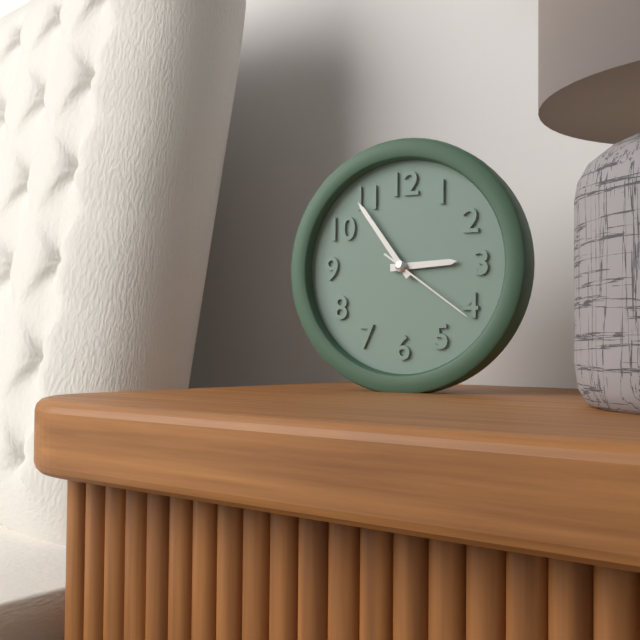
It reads 2 h 54 min 21 s
